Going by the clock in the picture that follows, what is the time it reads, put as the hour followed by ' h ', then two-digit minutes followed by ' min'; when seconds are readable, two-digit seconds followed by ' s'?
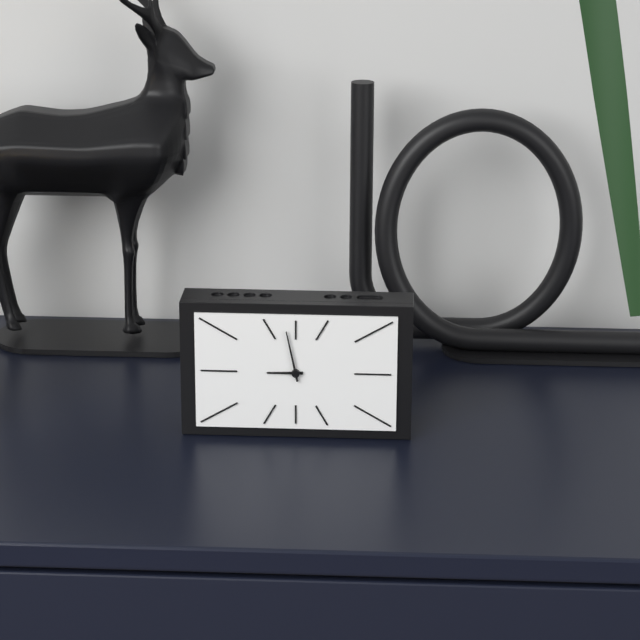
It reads 8 h 58 min
